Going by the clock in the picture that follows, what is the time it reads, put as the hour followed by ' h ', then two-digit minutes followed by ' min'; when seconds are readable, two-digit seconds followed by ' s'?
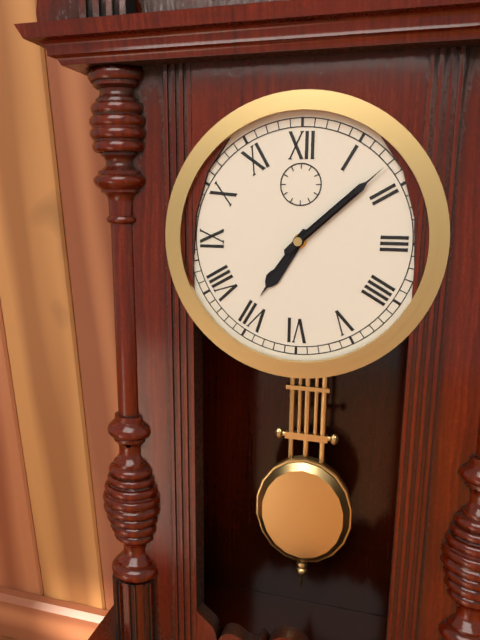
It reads 7 h 08 min
